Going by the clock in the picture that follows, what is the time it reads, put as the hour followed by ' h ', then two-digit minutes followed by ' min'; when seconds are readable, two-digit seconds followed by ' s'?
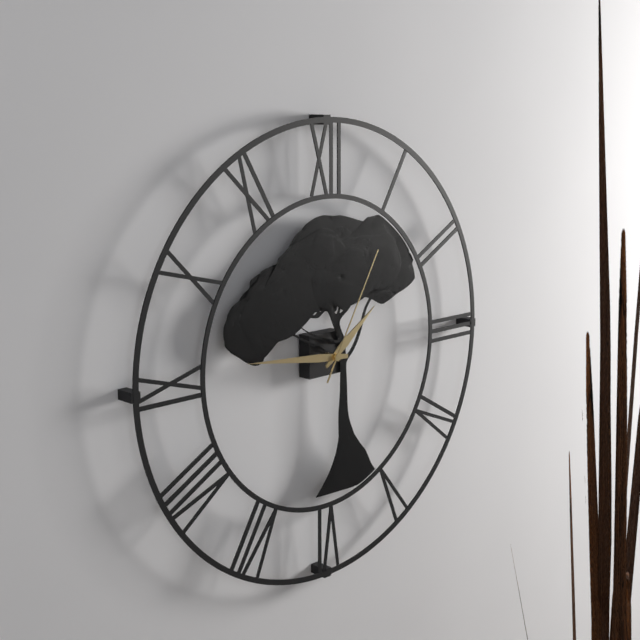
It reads 1 h 46 min 05 s
